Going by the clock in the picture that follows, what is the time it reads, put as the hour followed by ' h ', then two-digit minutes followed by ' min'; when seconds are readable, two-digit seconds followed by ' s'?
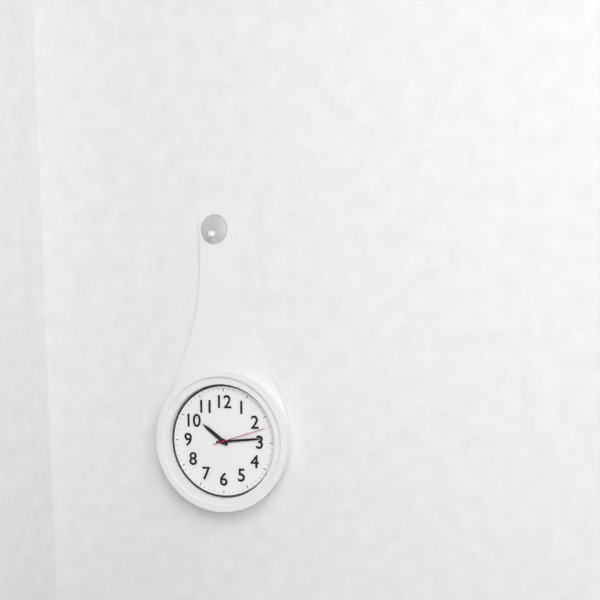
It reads 10 h 14 min 12 s
